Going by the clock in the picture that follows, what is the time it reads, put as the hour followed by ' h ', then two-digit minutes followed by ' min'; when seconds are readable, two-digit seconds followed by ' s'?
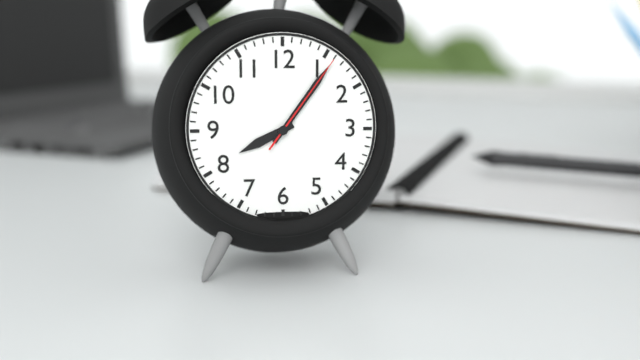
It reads 8 h 06 min 06 s
